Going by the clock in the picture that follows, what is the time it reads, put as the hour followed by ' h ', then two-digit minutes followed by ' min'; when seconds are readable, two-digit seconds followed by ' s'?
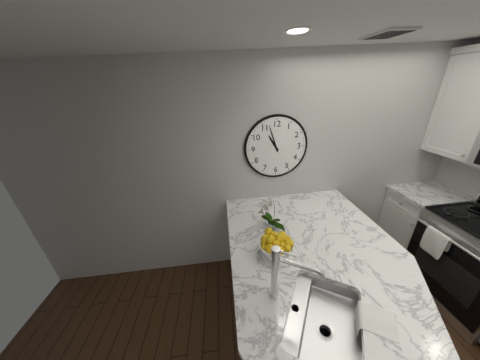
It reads 10 h 57 min
